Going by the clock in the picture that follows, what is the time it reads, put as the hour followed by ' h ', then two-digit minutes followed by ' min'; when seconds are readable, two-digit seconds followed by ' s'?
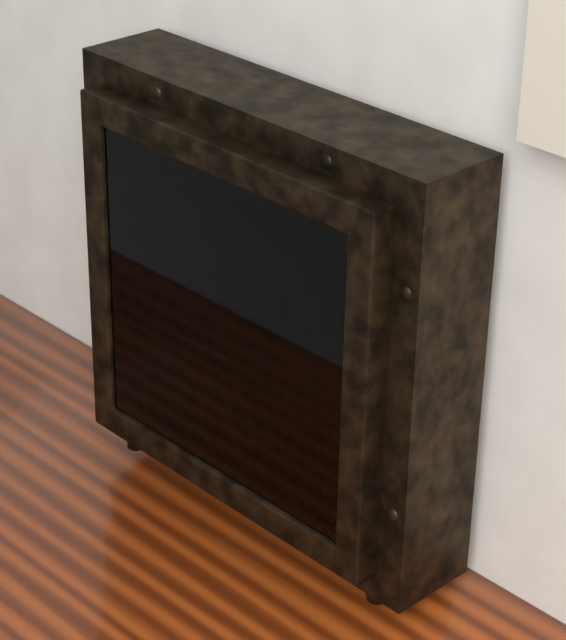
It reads 10 h 59 min
